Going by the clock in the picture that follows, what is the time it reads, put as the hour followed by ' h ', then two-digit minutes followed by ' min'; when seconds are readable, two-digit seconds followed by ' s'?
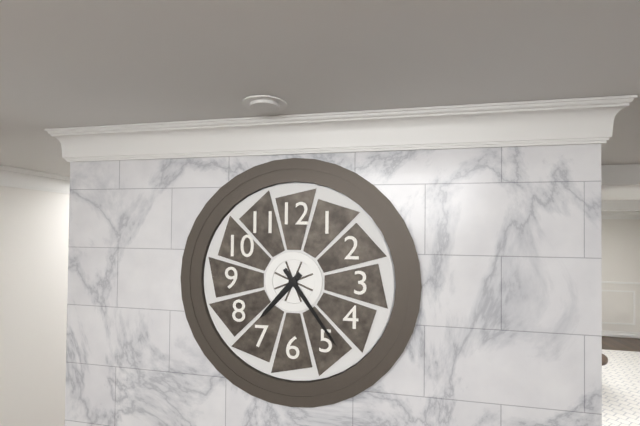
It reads 7 h 24 min
